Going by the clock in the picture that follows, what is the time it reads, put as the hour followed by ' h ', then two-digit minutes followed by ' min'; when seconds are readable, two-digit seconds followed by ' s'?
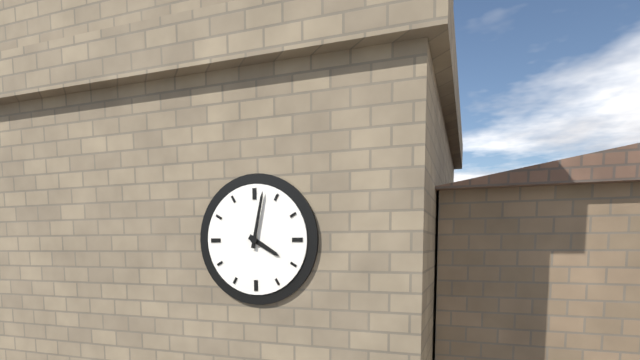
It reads 4 h 02 min
